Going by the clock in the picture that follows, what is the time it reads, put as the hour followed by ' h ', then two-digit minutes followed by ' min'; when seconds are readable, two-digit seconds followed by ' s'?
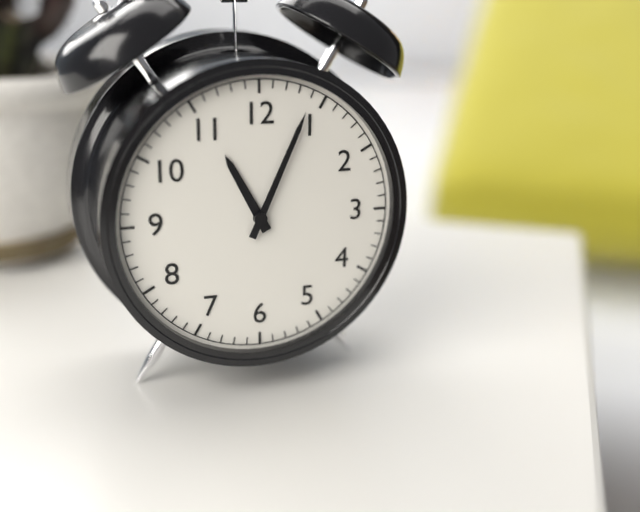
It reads 11 h 04 min
